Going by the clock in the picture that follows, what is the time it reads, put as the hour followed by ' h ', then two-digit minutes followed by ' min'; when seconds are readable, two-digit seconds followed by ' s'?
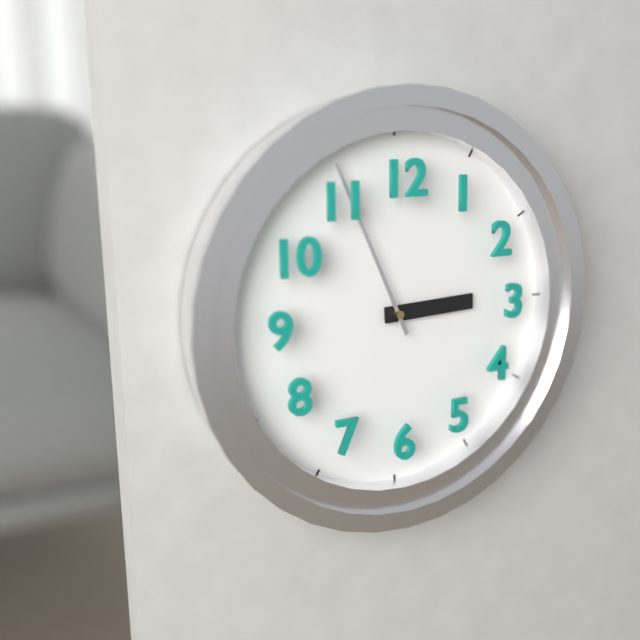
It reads 2 h 56 min
